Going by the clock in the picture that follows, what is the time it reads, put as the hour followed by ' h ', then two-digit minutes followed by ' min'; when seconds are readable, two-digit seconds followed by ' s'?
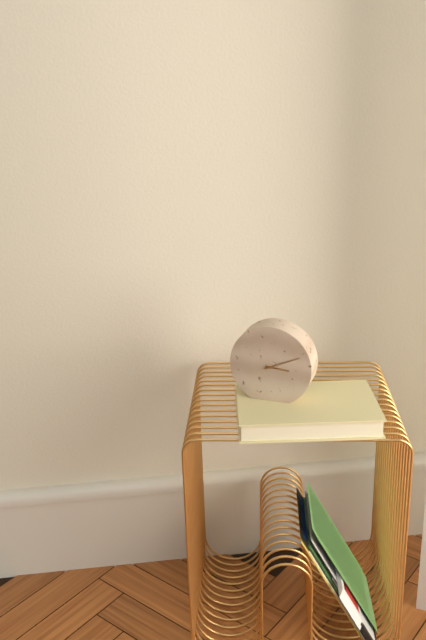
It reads 3 h 11 min
